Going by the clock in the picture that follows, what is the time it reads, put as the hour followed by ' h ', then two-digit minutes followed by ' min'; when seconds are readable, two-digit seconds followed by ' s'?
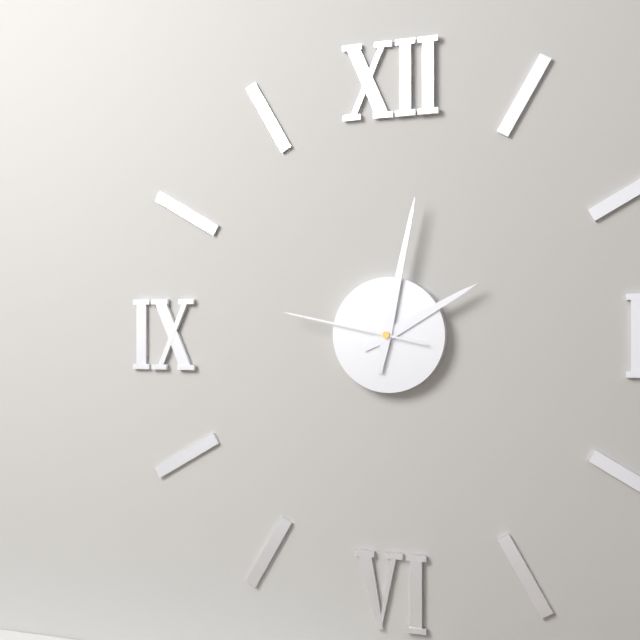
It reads 2 h 02 min 47 s
